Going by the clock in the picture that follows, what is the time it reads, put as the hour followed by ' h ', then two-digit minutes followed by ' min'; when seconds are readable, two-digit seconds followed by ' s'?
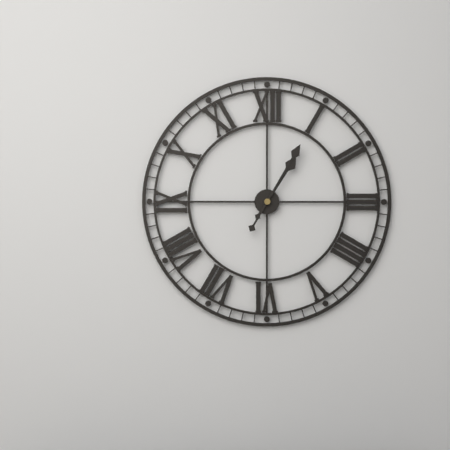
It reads 1 h 05 min
